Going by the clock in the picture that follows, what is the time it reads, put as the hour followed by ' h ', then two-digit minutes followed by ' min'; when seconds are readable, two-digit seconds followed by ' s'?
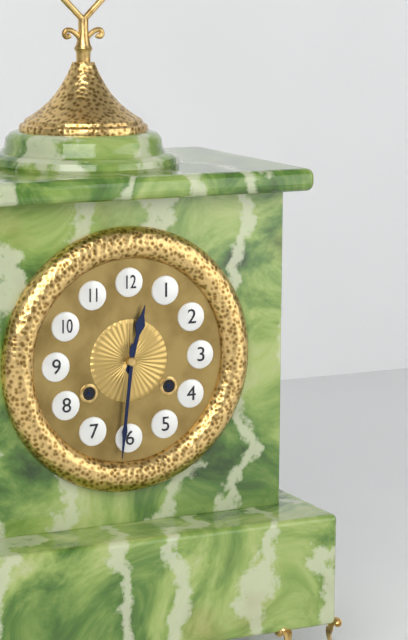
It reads 12 h 31 min
